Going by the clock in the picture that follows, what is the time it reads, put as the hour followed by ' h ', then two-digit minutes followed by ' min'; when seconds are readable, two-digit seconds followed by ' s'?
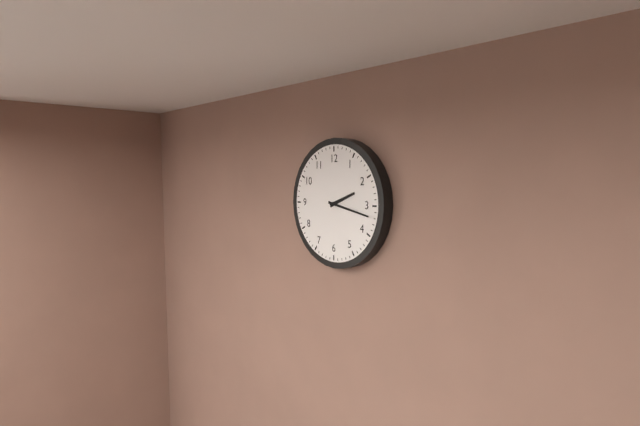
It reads 2 h 17 min
